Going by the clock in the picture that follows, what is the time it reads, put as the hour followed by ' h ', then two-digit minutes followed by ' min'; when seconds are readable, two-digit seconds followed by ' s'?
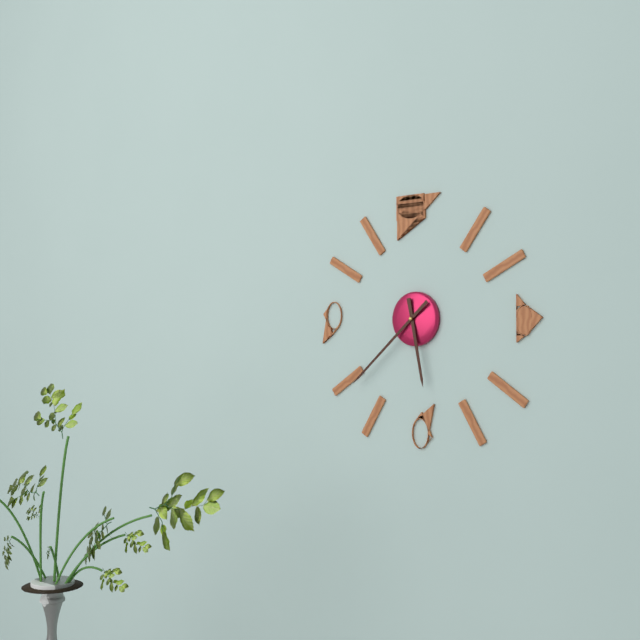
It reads 5 h 38 min
